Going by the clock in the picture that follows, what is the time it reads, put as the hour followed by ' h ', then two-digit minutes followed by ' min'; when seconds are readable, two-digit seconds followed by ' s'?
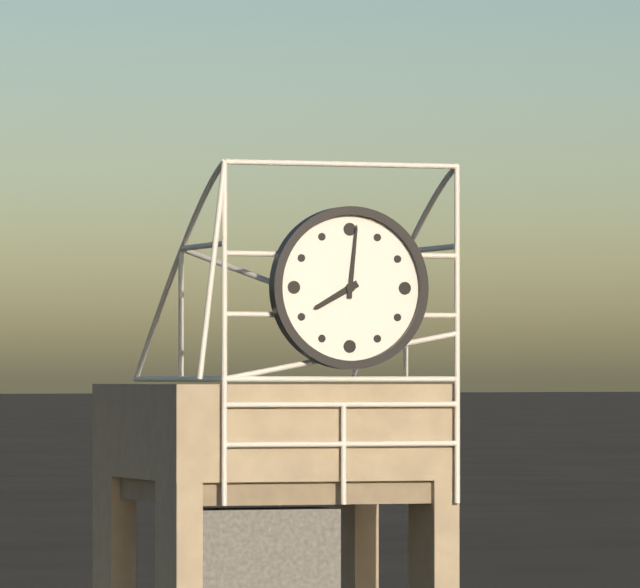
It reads 8 h 01 min
